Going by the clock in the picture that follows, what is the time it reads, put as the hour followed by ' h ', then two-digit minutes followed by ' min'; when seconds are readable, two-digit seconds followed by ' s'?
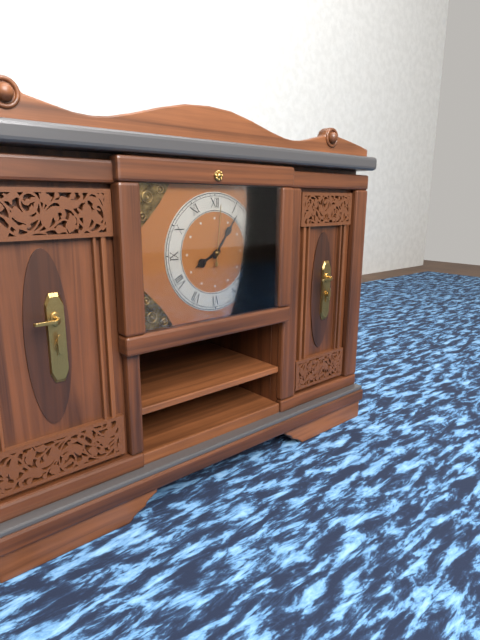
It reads 8 h 06 min 01 s
